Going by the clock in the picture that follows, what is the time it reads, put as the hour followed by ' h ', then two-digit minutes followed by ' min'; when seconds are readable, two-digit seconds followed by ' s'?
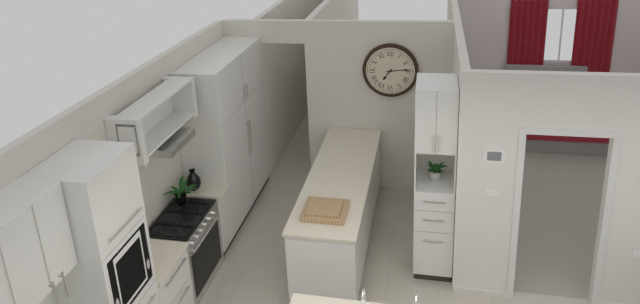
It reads 7 h 14 min
